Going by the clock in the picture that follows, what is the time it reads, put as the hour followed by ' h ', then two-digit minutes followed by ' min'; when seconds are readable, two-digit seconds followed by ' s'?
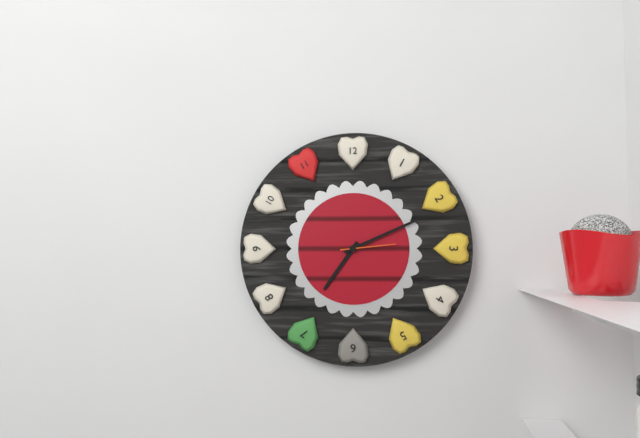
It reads 7 h 11 min 14 s
